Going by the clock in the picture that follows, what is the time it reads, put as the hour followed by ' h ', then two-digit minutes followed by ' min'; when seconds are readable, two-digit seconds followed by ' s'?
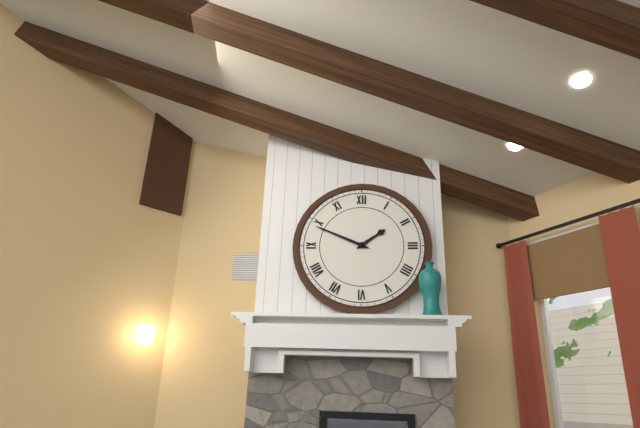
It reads 1 h 49 min
